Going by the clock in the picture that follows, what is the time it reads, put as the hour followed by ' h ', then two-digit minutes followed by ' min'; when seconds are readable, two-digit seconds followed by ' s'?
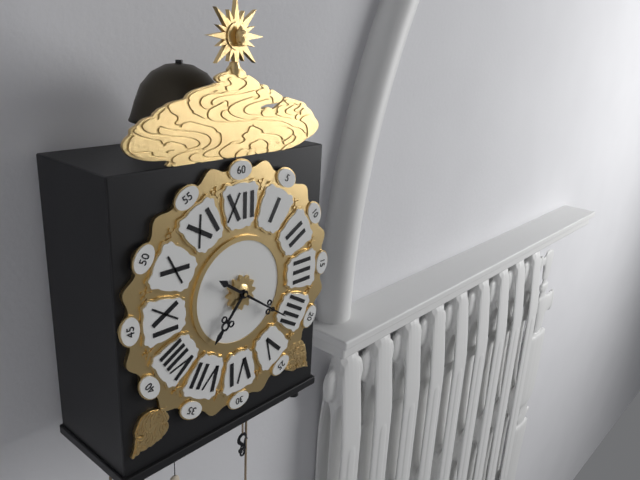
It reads 7 h 21 min
